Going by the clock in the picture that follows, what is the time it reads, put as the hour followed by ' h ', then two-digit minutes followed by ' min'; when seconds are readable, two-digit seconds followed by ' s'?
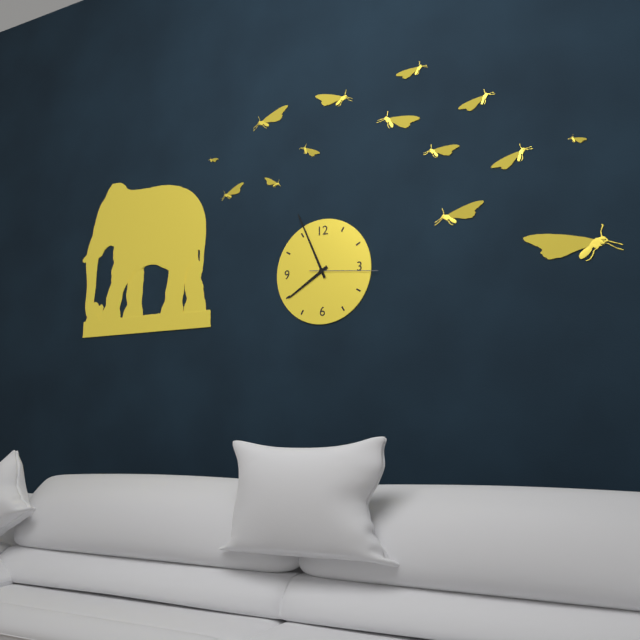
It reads 7 h 56 min 16 s
